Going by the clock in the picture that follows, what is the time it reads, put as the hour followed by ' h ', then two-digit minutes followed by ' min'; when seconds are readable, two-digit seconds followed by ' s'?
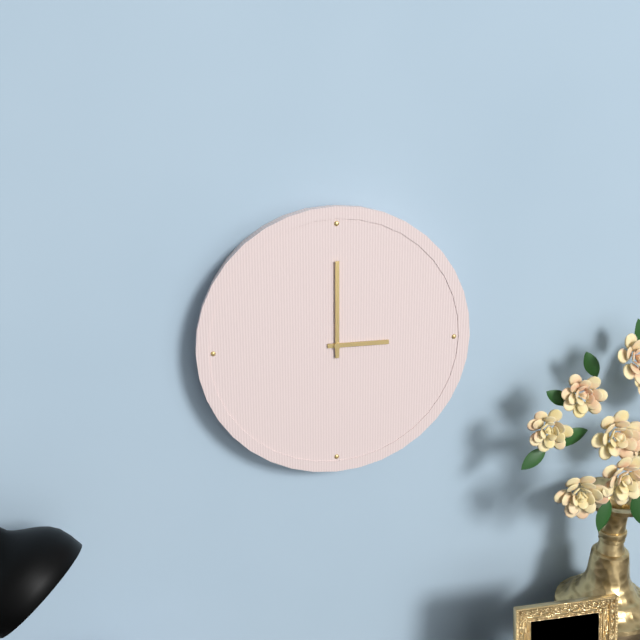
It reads 3 h 00 min
